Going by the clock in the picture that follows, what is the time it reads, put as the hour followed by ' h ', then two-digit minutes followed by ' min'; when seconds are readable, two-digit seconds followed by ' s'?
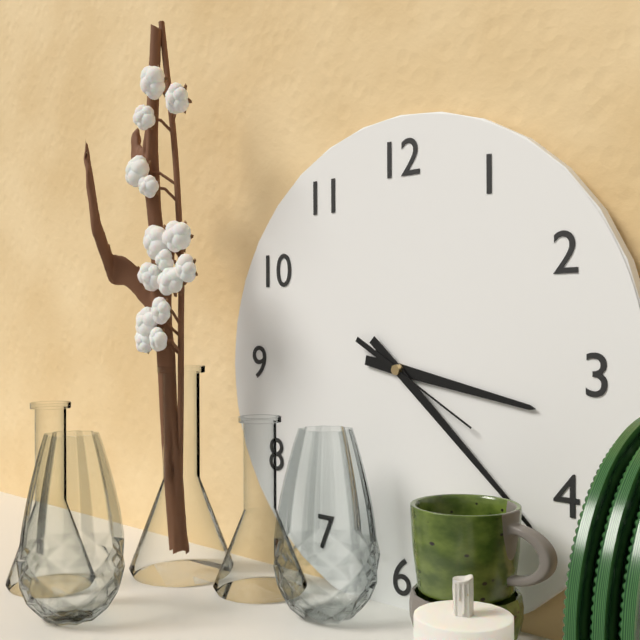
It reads 3 h 22 min 20 s
